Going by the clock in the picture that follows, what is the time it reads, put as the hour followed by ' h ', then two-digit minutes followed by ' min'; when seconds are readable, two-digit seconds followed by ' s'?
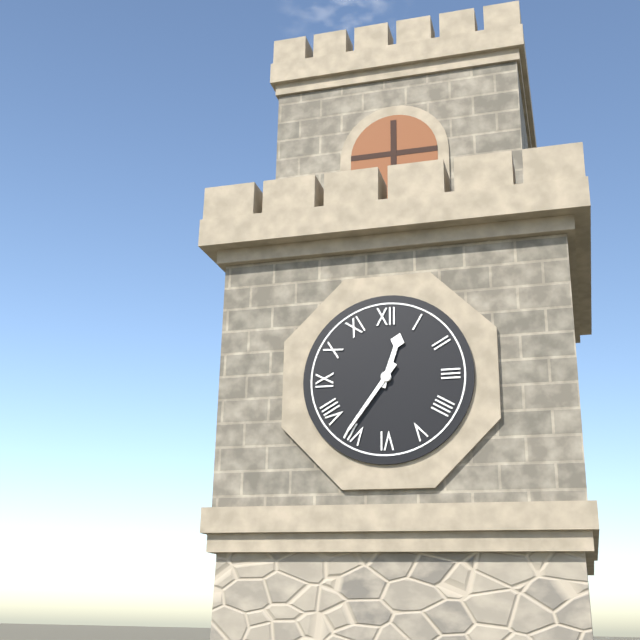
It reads 12 h 36 min
